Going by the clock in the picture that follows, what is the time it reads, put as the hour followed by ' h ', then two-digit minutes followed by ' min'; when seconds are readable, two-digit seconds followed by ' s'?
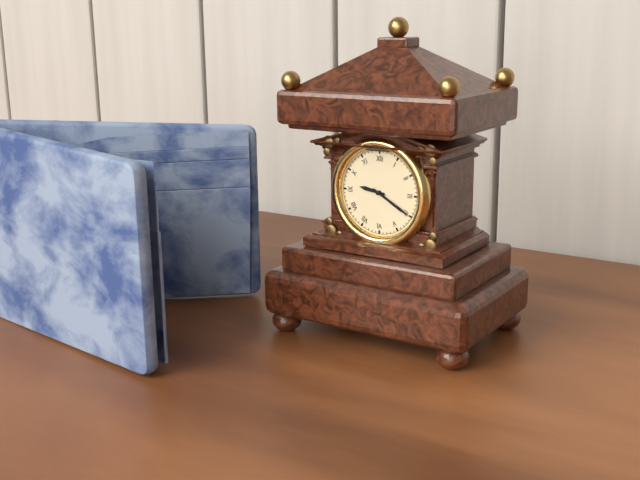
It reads 9 h 20 min
